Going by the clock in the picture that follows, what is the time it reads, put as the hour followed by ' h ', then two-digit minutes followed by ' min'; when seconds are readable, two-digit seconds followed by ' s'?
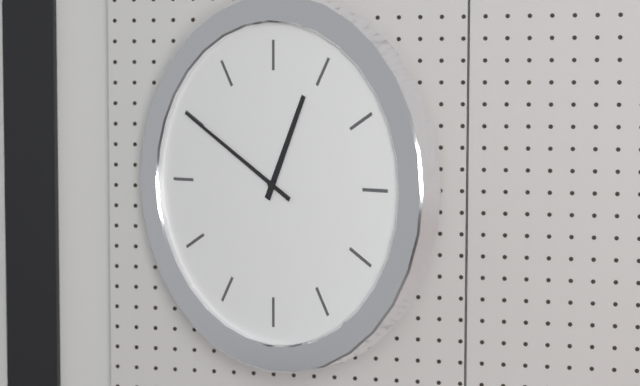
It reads 12 h 50 min
